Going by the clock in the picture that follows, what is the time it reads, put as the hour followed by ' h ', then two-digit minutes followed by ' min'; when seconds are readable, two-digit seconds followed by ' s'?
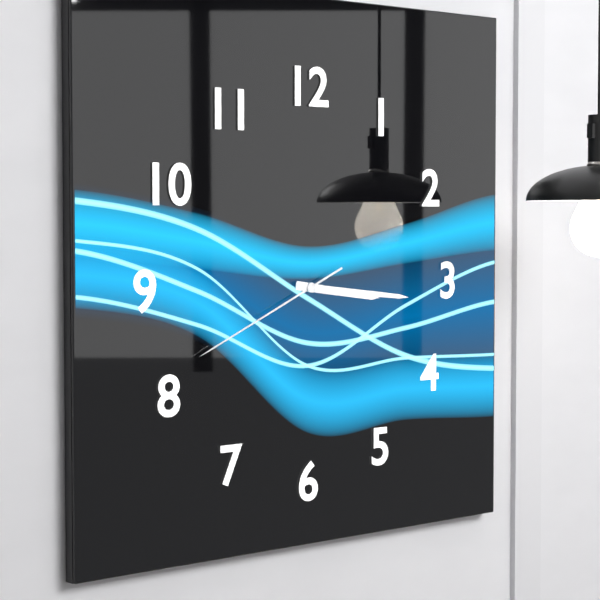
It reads 3 h 16 min 41 s
